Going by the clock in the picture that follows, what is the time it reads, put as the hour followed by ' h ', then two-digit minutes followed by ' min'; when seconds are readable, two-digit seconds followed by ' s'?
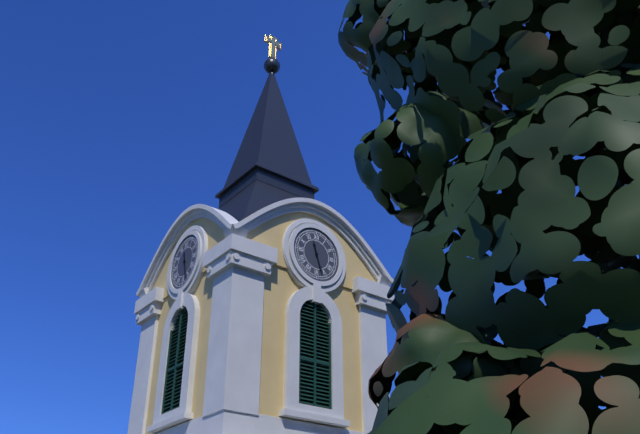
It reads 11 h 27 min
